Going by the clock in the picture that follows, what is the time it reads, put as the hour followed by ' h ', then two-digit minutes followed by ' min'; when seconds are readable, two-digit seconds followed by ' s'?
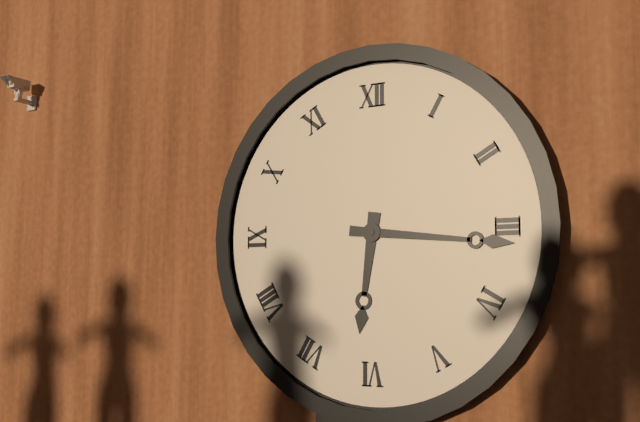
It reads 6 h 16 min
